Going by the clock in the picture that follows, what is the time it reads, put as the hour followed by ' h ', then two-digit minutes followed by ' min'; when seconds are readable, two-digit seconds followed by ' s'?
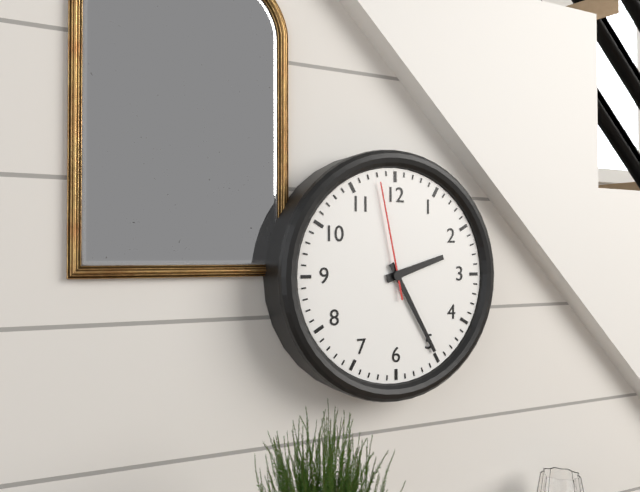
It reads 2 h 25 min 58 s
